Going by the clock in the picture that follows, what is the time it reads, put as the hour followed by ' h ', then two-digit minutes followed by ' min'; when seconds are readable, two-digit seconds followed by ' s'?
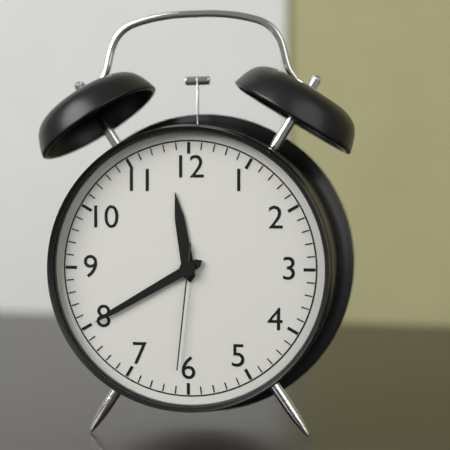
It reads 11 h 40 min 31 s
